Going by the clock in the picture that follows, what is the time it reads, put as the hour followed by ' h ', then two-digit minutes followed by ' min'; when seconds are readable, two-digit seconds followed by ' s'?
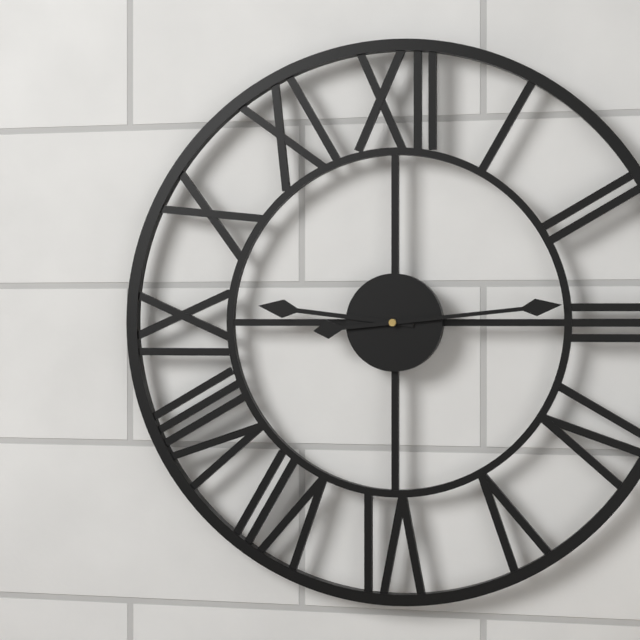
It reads 9 h 14 min
